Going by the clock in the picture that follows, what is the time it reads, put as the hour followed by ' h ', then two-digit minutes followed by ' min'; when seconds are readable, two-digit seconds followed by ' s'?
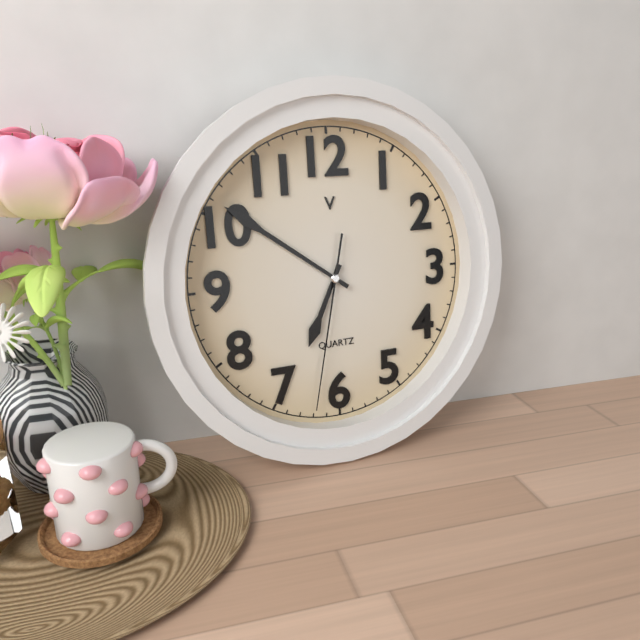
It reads 6 h 51 min 32 s
